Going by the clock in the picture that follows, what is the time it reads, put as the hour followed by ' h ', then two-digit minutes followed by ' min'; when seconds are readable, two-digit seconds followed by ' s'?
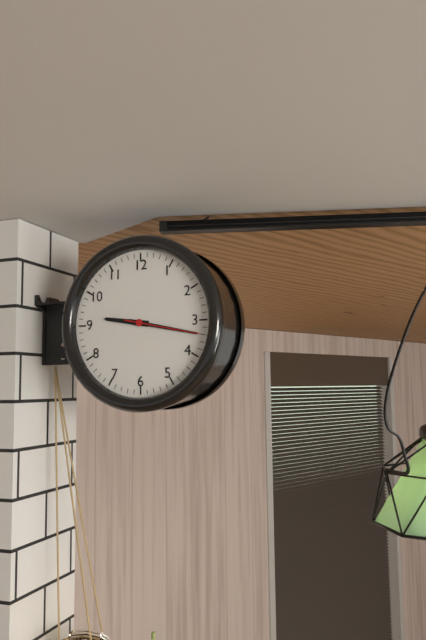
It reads 9 h 17 min 17 s
